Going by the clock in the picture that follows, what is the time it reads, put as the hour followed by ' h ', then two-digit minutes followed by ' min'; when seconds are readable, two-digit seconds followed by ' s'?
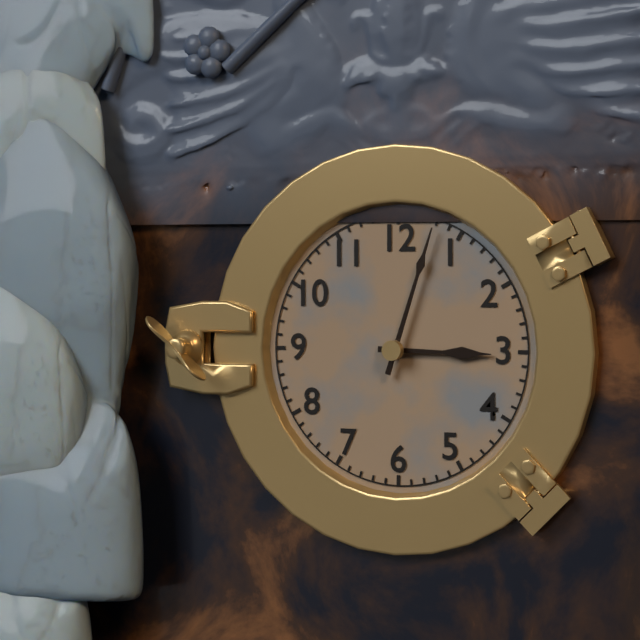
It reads 3 h 03 min
